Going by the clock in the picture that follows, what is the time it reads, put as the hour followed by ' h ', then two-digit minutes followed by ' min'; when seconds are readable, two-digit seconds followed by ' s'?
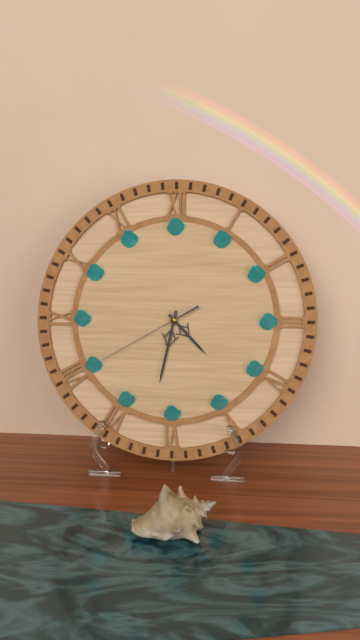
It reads 4 h 32 min 40 s
